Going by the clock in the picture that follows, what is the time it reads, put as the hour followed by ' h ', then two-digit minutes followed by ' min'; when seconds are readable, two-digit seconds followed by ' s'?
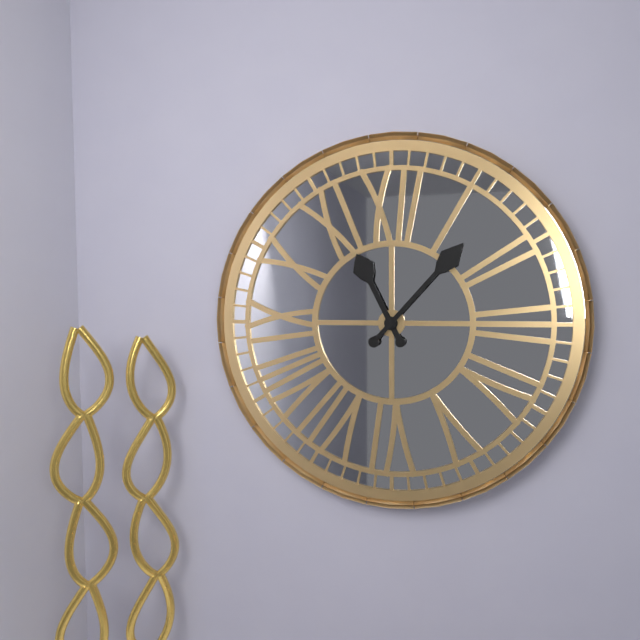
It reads 11 h 07 min
